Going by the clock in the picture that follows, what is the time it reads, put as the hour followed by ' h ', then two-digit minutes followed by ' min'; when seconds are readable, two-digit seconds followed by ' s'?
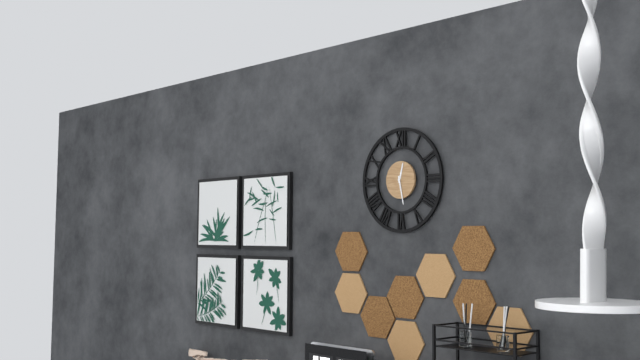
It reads 12 h 28 min
